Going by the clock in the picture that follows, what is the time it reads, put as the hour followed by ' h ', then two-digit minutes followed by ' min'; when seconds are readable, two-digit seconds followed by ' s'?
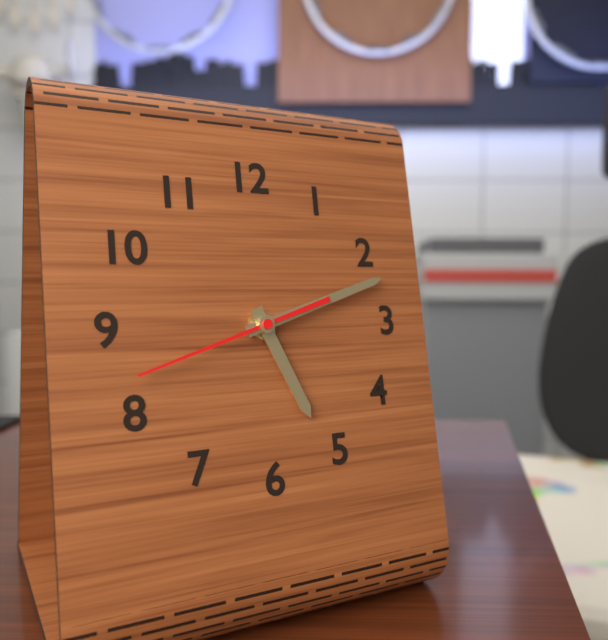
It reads 5 h 12 min 42 s
